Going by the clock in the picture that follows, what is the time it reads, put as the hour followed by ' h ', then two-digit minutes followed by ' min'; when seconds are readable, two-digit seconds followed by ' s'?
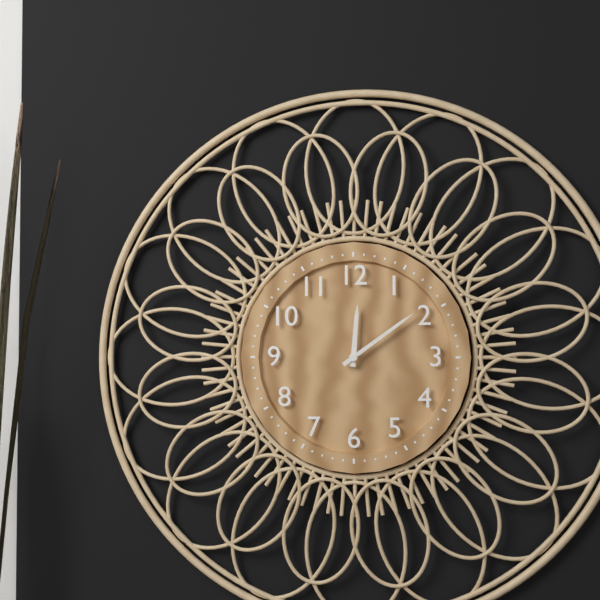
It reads 12 h 09 min
